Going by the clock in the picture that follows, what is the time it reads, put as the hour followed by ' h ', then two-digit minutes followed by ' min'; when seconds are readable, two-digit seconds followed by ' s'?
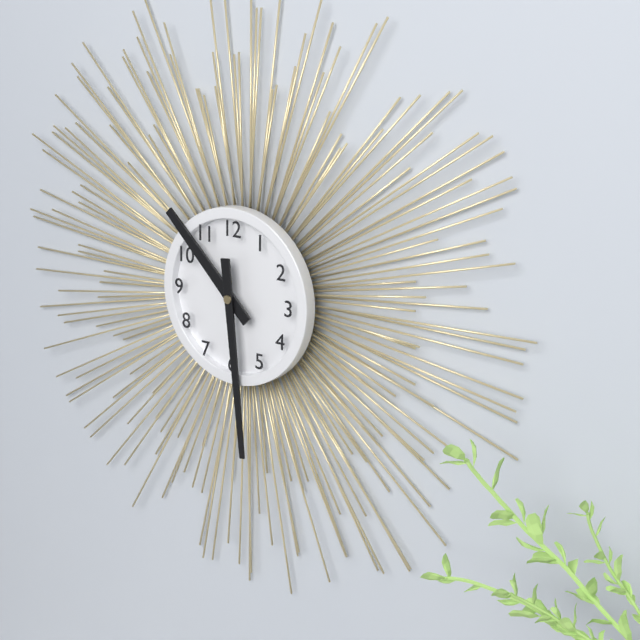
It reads 10 h 29 min
